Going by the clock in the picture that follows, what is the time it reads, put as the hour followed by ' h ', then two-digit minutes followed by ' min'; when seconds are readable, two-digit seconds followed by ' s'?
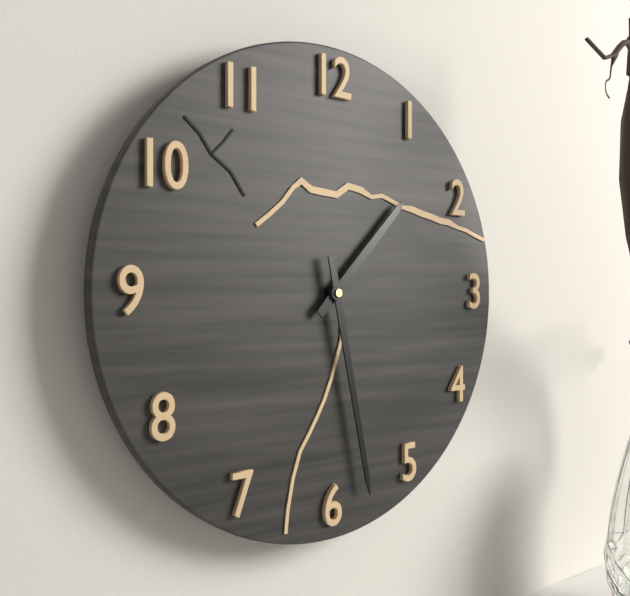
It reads 1 h 28 min
